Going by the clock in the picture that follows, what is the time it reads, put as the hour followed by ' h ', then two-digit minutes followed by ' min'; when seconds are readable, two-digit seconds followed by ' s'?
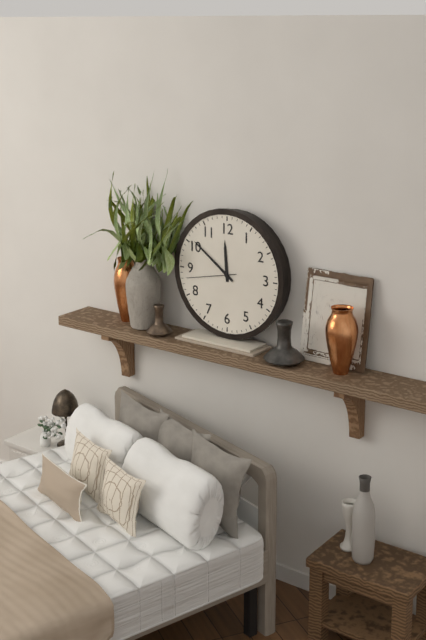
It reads 11 h 51 min
